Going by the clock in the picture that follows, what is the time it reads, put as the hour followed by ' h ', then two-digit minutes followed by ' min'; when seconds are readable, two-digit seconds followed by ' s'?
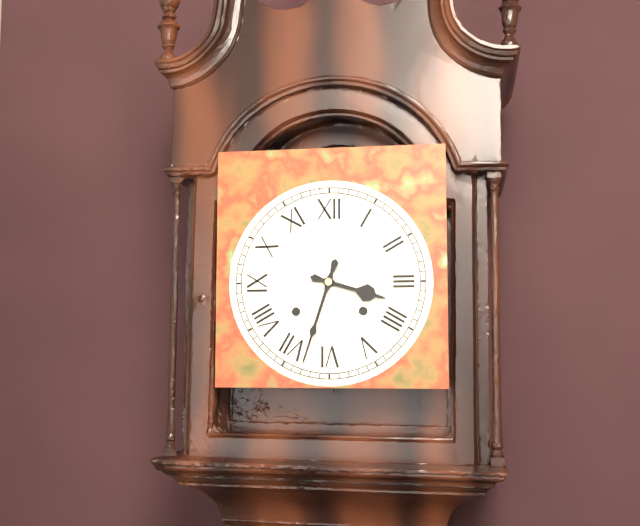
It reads 3 h 33 min
